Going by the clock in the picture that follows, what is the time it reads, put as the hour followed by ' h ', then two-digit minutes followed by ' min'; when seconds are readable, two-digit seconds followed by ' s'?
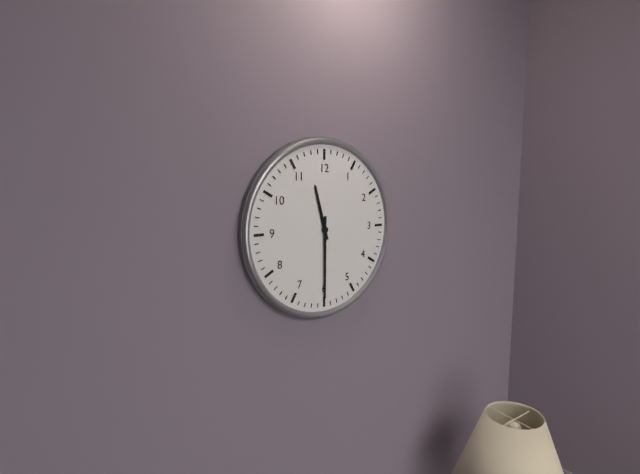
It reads 11 h 30 min
